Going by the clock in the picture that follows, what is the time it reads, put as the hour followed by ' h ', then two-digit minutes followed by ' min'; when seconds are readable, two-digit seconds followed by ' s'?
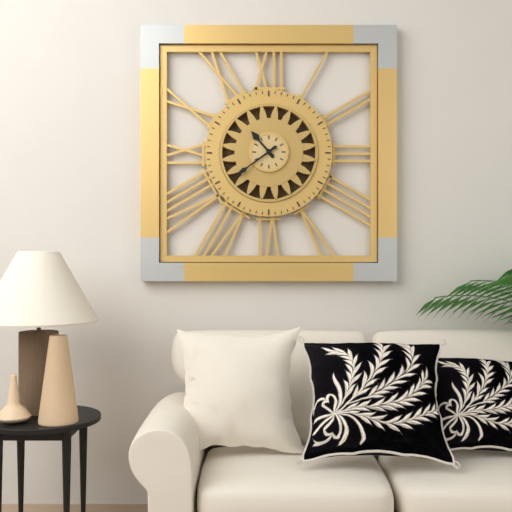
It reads 10 h 39 min
